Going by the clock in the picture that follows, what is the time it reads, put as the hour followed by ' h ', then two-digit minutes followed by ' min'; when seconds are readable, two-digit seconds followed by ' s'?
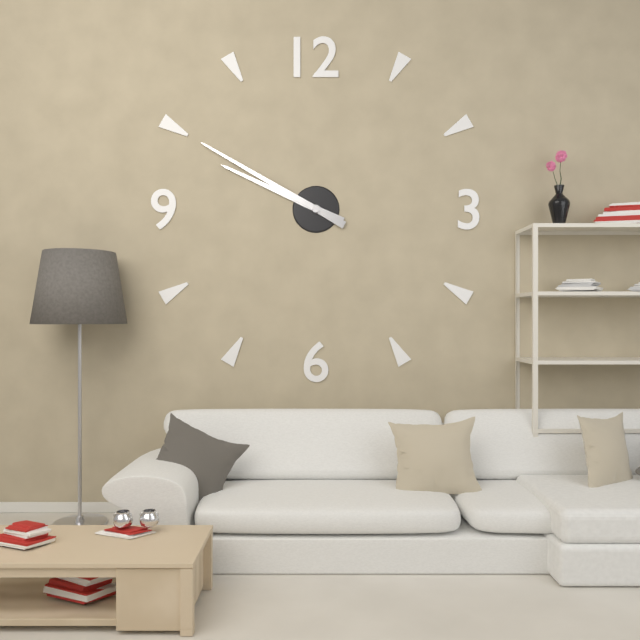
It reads 9 h 50 min
